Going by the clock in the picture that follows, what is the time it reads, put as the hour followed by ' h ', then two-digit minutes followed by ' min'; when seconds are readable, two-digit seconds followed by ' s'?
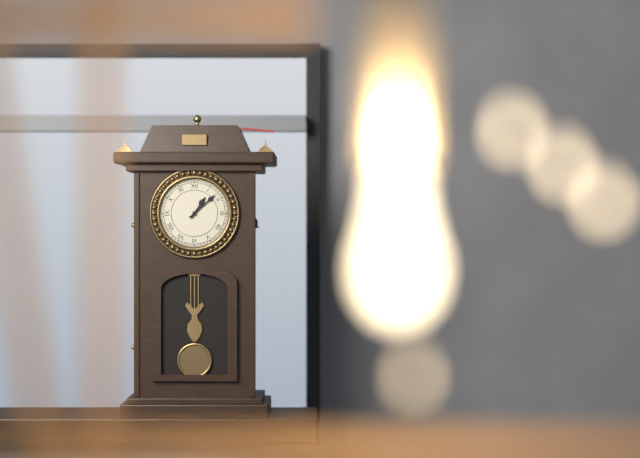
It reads 1 h 08 min
